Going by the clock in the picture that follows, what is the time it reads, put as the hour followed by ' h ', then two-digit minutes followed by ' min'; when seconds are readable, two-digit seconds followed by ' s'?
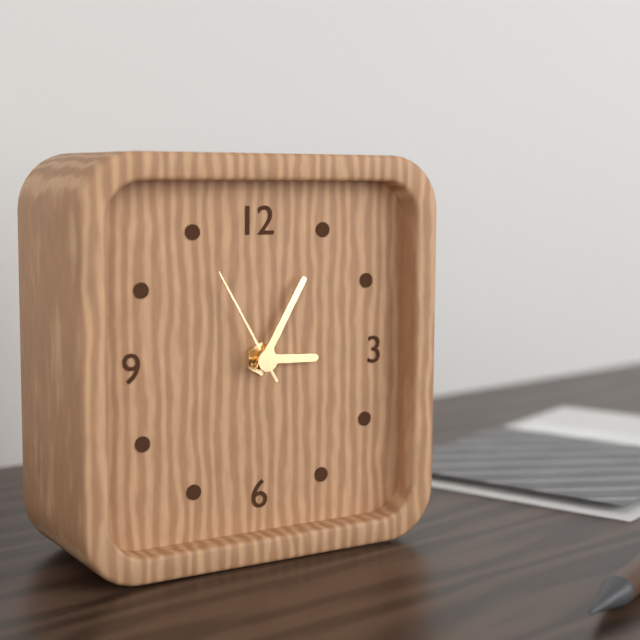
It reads 3 h 05 min 55 s
